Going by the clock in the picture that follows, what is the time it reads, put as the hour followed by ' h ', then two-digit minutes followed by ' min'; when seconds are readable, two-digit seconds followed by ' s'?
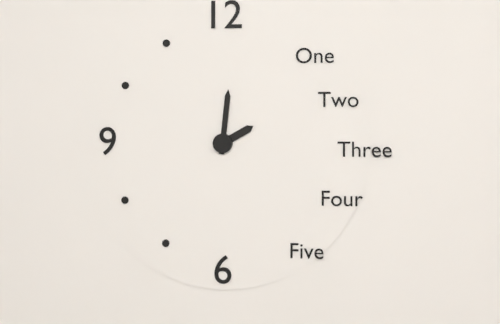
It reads 2 h 01 min
